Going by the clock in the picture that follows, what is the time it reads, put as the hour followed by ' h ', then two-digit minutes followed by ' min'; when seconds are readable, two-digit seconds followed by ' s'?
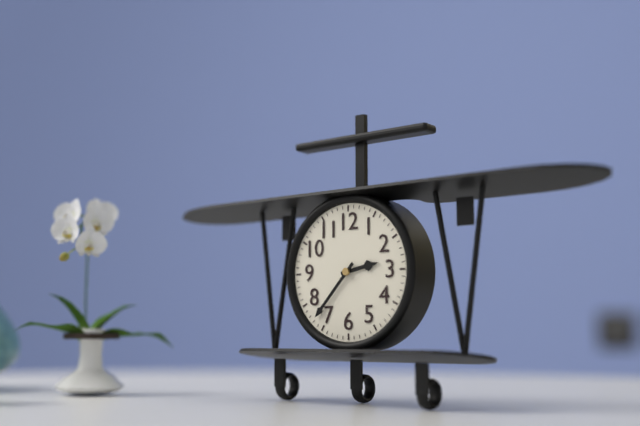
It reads 2 h 37 min
